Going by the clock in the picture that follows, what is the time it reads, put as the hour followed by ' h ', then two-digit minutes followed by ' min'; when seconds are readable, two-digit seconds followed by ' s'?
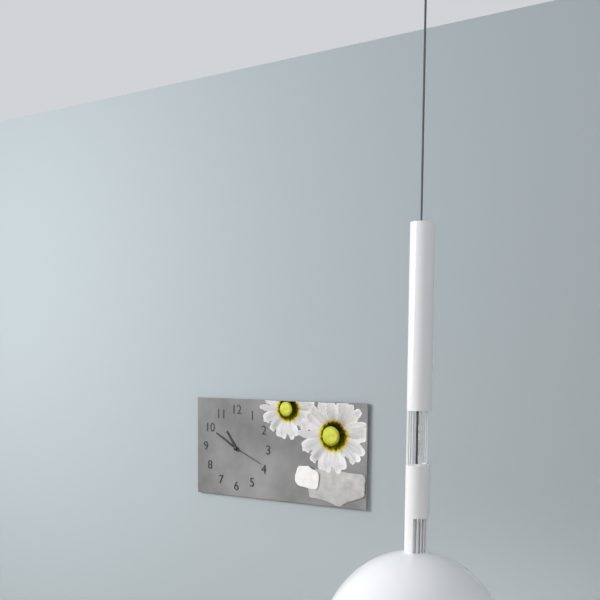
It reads 10 h 50 min
